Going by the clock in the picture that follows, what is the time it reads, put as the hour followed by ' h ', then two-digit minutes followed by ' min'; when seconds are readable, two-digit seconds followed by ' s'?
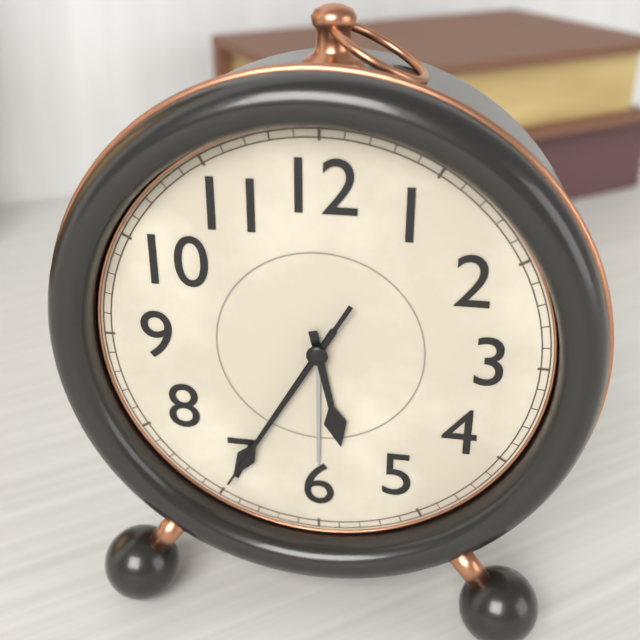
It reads 5 h 35 min 35 s
